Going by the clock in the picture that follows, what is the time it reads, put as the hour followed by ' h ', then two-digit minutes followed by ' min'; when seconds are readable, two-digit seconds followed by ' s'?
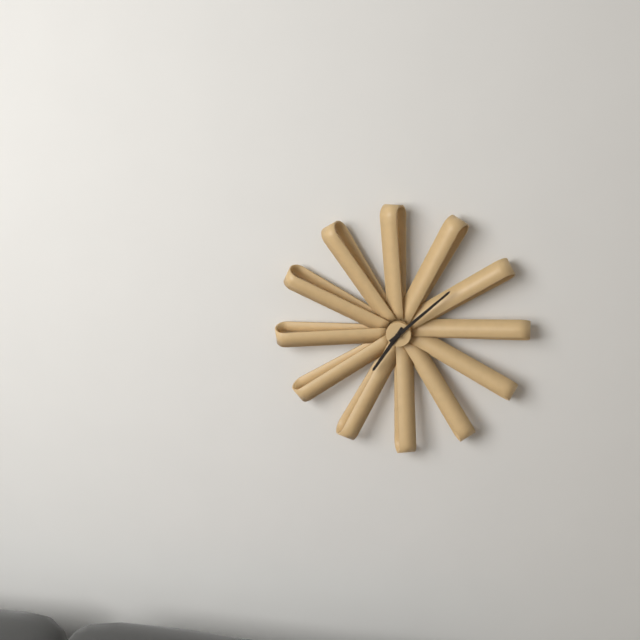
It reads 7 h 08 min
